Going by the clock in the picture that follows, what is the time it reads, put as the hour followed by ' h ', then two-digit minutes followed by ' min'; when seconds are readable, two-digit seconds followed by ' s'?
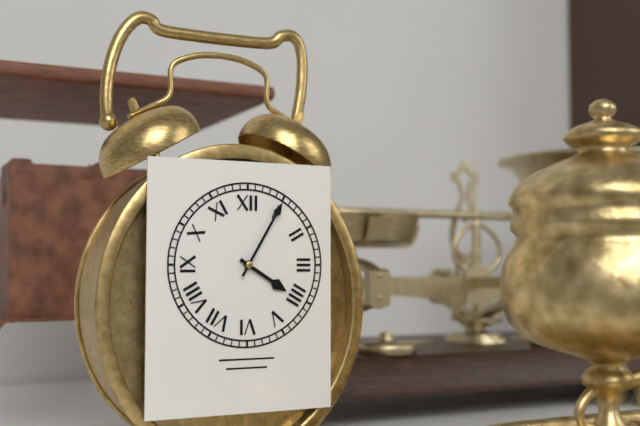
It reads 4 h 05 min
